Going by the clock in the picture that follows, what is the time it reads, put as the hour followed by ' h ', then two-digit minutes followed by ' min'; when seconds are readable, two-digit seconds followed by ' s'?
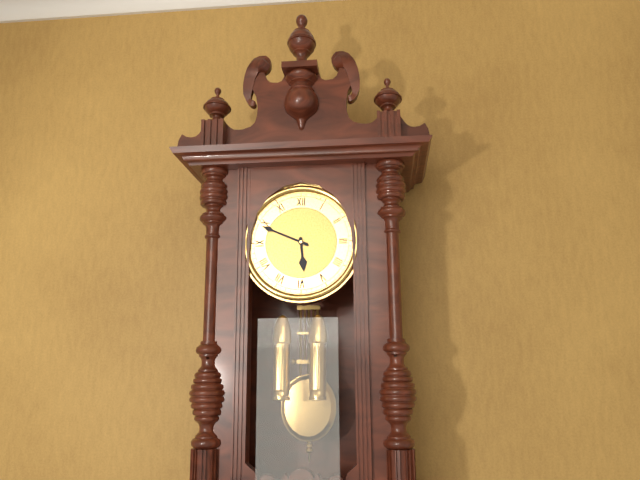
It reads 5 h 49 min
